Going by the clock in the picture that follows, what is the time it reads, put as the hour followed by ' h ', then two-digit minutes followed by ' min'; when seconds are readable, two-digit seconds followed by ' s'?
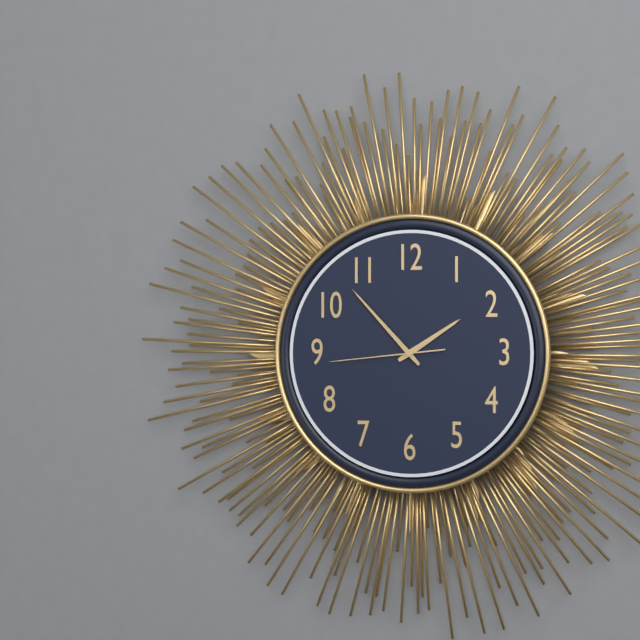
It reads 1 h 53 min 44 s
